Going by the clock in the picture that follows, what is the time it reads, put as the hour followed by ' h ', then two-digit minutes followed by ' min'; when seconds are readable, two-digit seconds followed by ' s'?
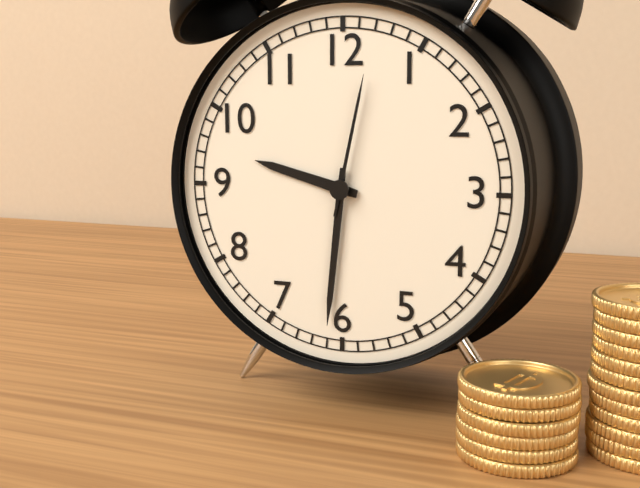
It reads 9 h 31 min 02 s
